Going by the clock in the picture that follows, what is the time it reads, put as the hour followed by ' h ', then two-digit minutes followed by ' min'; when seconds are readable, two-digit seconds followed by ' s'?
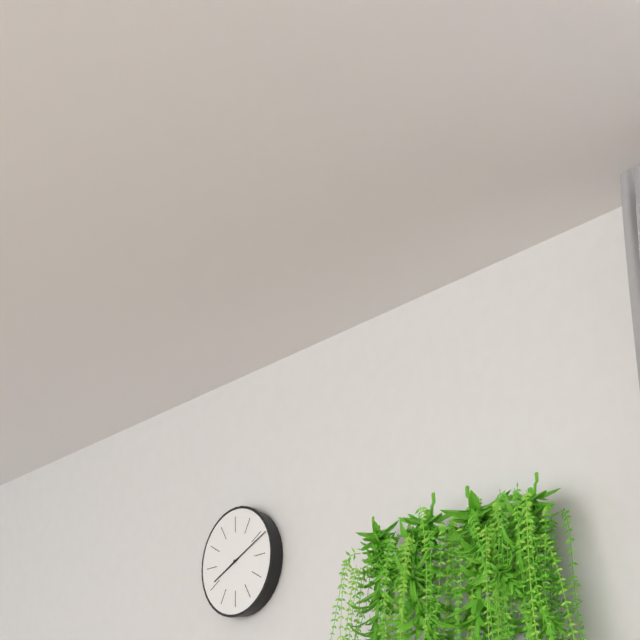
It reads 8 h 11 min
